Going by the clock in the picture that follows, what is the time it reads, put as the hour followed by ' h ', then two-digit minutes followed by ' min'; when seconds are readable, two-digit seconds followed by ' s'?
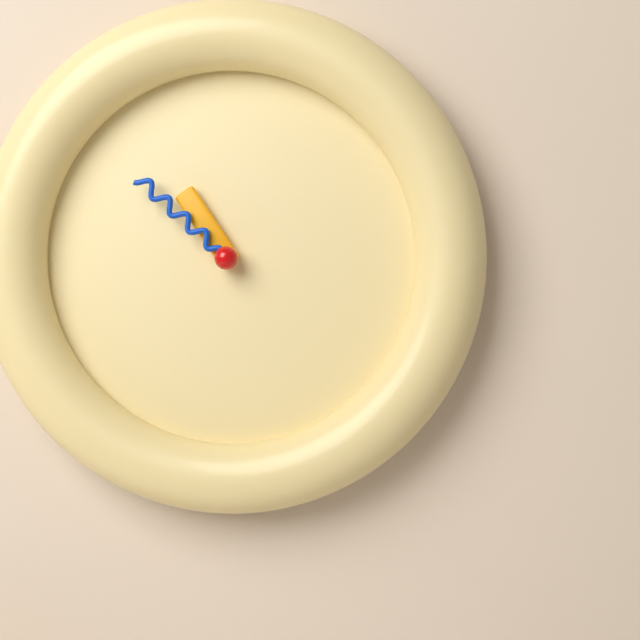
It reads 10 h 52 min
